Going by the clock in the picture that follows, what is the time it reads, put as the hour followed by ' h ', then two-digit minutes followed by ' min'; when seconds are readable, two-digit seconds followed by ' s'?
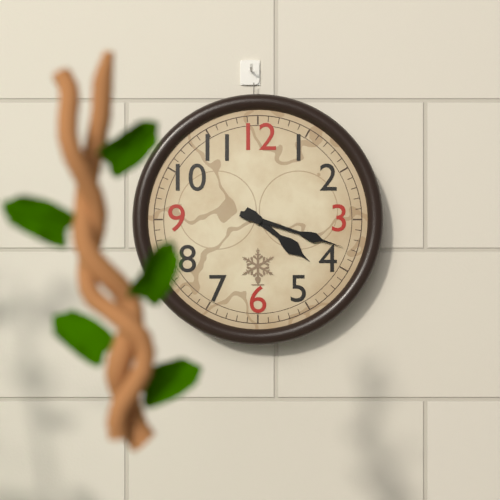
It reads 4 h 18 min
